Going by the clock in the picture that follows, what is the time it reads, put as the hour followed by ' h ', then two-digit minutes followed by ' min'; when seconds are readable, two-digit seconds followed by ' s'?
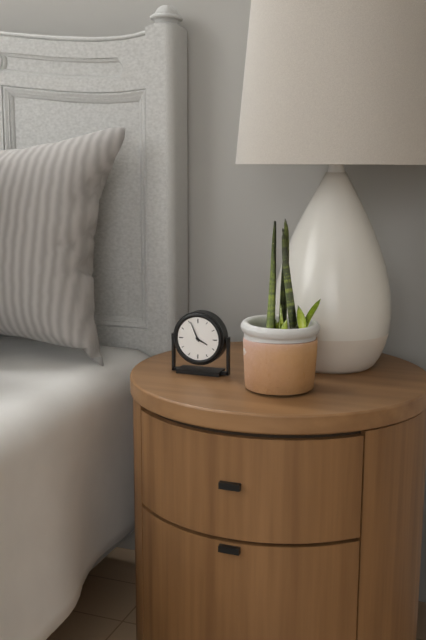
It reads 3 h 56 min
